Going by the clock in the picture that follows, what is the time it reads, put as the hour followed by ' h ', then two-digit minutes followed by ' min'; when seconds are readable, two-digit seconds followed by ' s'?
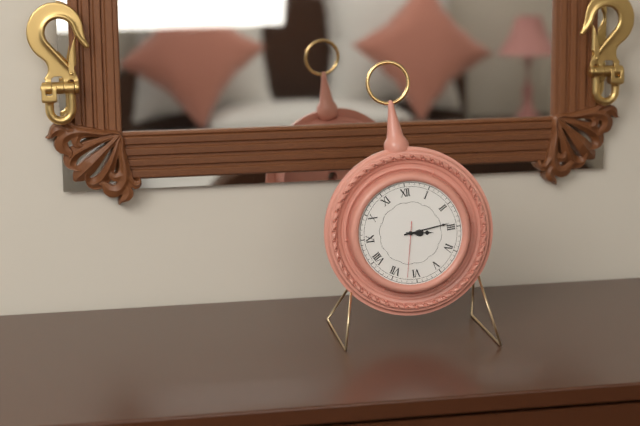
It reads 3 h 14 min 32 s
